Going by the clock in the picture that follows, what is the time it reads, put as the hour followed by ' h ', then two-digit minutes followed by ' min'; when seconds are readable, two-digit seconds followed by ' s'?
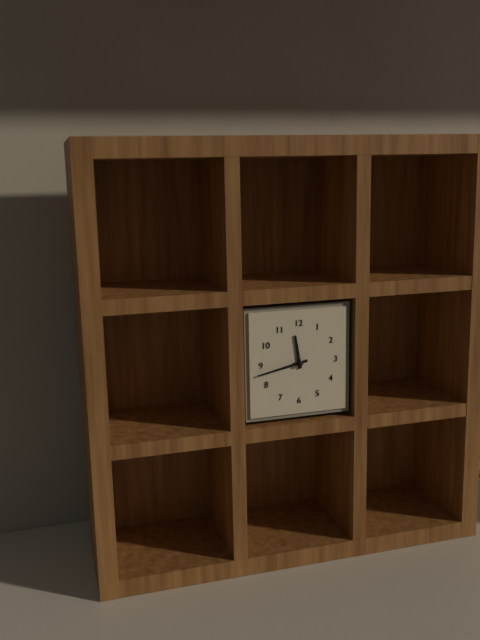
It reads 11 h 43 min
